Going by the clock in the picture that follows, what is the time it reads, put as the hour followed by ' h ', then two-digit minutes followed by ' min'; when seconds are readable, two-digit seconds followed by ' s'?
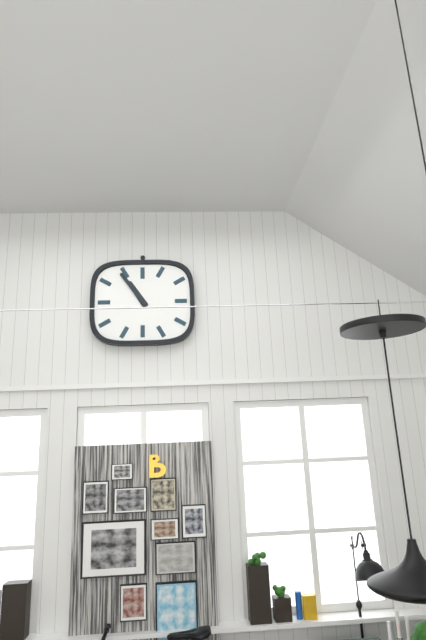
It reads 10 h 54 min
